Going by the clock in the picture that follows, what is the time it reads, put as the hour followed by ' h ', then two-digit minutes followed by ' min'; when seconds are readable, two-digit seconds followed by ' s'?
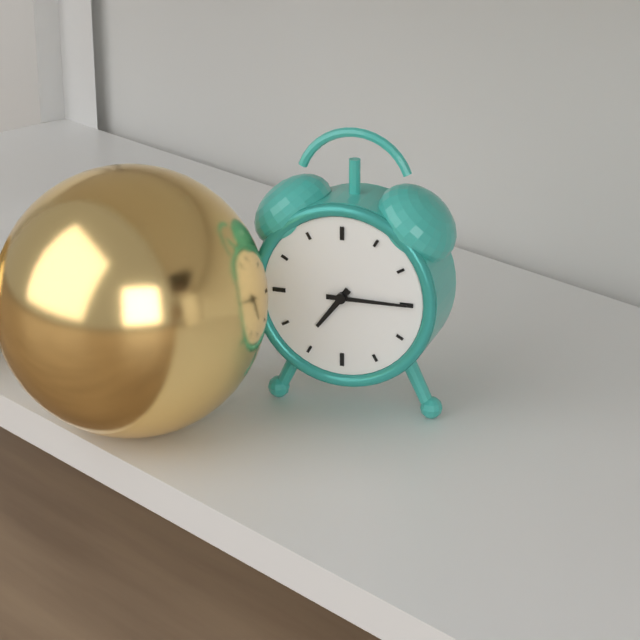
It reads 7 h 15 min
